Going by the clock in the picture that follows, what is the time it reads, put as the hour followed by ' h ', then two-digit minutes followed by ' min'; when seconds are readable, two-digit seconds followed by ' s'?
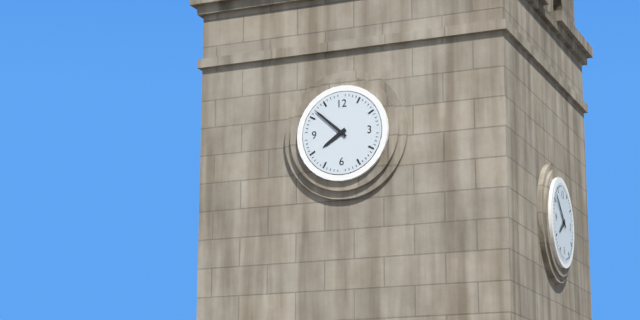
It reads 7 h 52 min
